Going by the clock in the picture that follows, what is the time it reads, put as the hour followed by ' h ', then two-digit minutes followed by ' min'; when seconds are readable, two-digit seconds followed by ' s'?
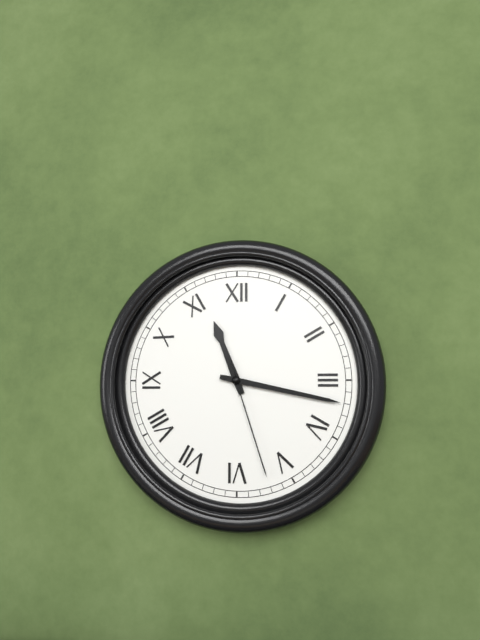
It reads 11 h 17 min 27 s
